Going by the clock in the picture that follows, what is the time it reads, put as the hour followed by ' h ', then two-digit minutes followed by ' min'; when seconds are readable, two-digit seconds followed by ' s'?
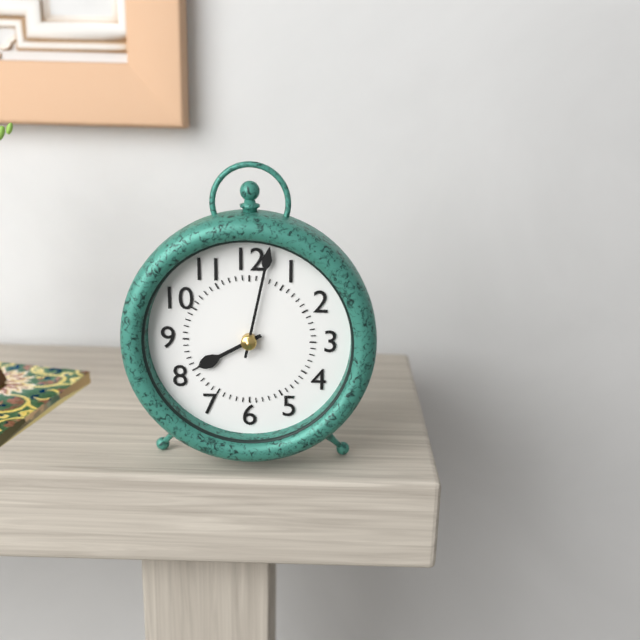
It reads 8 h 02 min
